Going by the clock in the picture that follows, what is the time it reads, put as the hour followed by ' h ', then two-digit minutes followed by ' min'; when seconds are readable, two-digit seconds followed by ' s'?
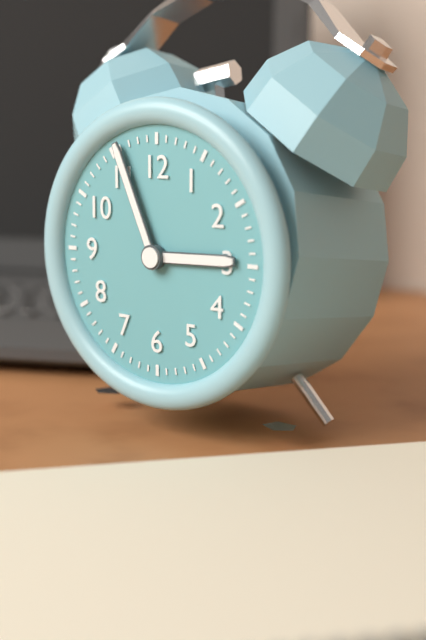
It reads 2 h 56 min
